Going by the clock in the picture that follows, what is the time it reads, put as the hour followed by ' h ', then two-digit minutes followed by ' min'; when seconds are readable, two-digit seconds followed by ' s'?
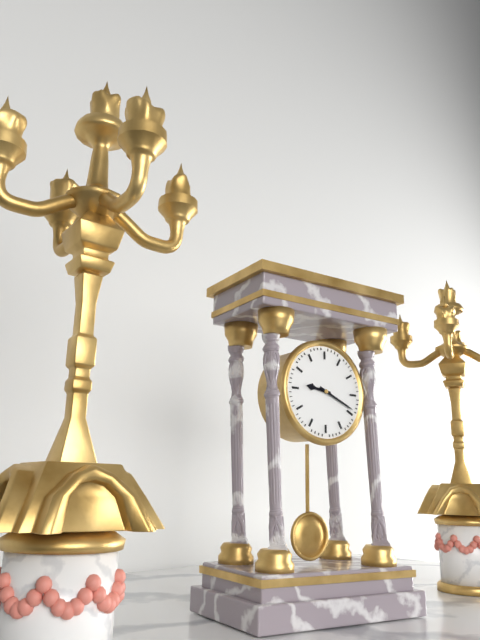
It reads 9 h 19 min
